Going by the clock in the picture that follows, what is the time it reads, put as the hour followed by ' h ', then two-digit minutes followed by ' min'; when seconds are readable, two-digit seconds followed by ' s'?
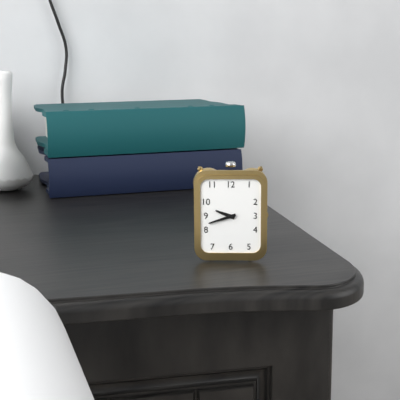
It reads 9 h 42 min
